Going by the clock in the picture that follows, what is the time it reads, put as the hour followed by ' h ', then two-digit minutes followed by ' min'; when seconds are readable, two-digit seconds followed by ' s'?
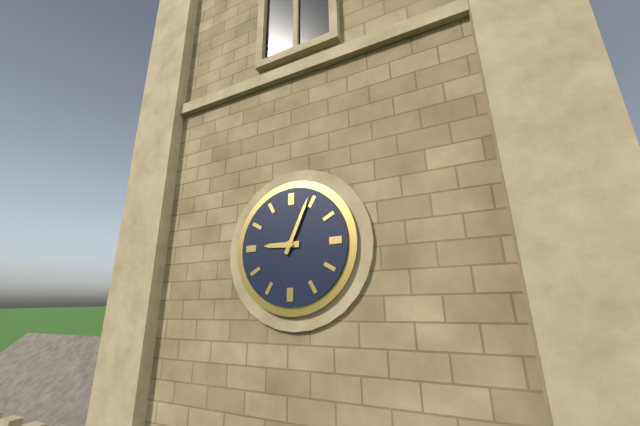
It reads 9 h 04 min
